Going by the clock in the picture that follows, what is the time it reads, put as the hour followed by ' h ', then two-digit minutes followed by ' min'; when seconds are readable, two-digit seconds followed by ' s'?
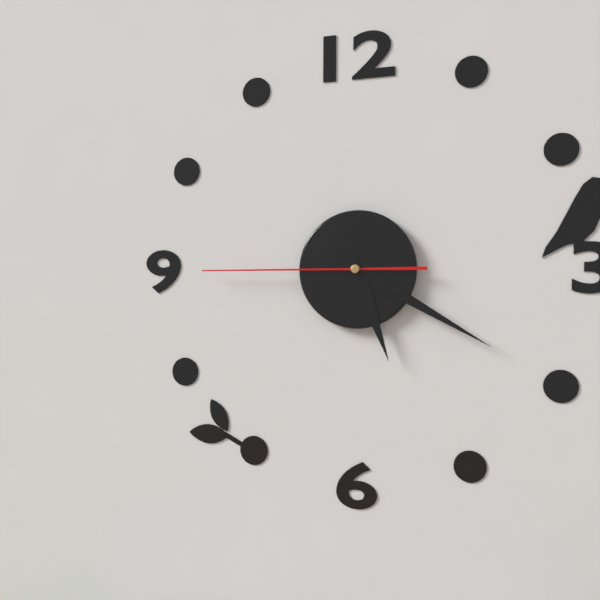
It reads 5 h 20 min 45 s
